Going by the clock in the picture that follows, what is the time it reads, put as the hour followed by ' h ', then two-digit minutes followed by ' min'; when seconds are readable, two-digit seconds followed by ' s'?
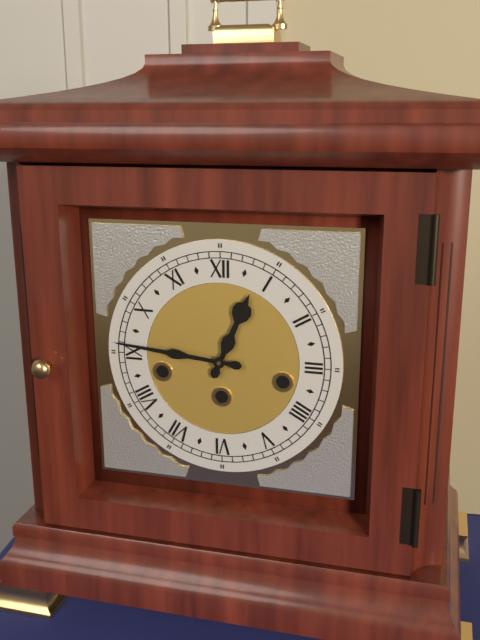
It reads 12 h 46 min
